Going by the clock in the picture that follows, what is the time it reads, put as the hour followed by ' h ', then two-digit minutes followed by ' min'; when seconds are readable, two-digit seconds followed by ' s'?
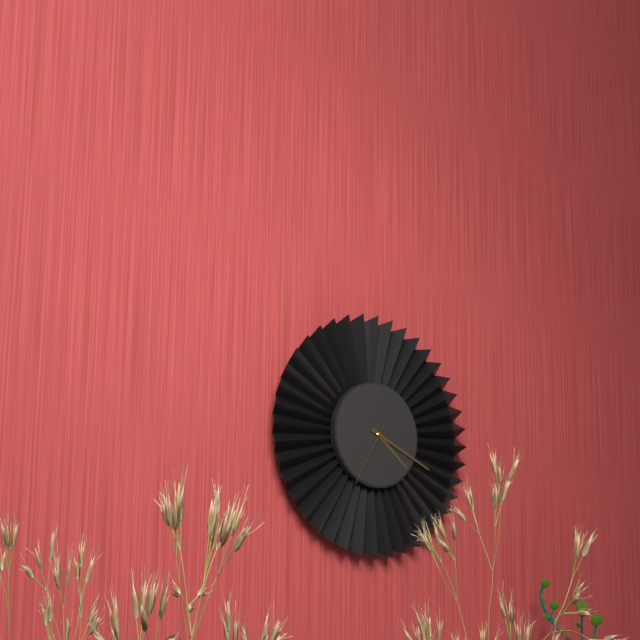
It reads 4 h 19 min 35 s
